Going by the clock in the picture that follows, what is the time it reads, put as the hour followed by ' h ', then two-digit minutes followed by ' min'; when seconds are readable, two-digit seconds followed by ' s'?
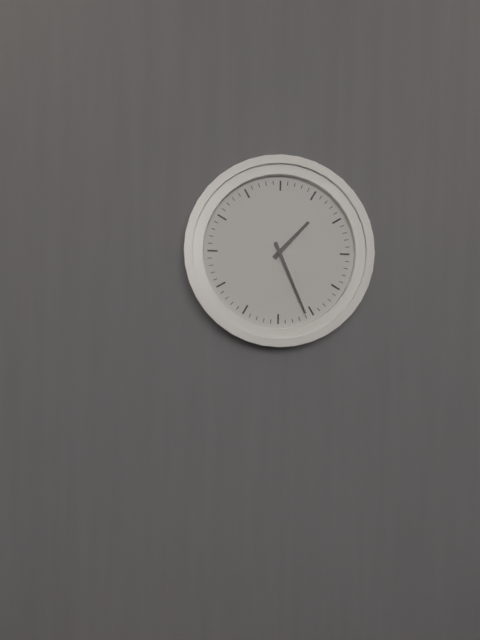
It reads 1 h 26 min
